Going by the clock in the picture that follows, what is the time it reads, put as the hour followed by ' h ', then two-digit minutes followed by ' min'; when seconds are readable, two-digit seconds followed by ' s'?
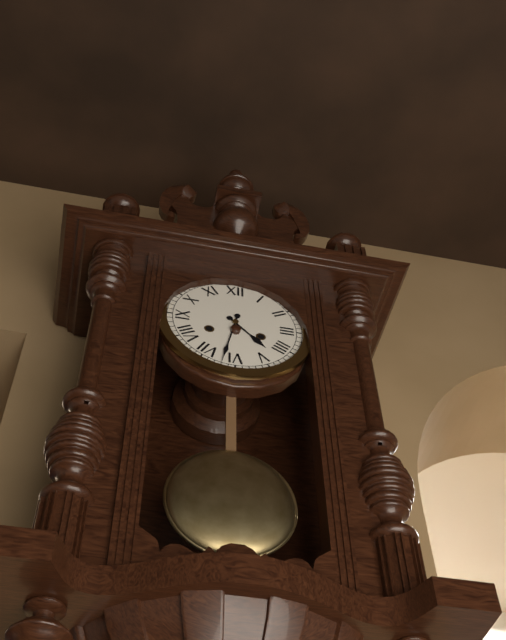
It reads 4 h 32 min
